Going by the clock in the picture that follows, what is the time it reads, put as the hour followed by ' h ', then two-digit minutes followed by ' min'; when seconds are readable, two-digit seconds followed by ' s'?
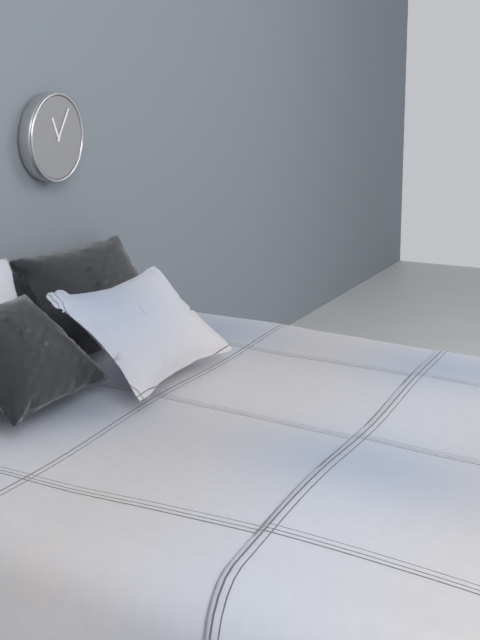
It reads 11 h 05 min
